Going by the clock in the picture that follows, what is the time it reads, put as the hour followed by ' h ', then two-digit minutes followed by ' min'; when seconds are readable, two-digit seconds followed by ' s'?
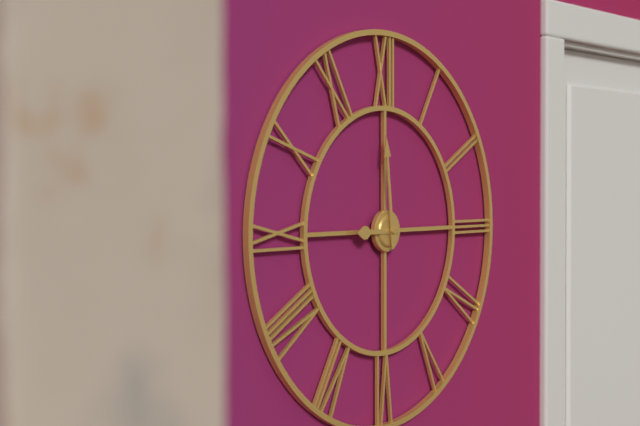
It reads 8 h 59 min
